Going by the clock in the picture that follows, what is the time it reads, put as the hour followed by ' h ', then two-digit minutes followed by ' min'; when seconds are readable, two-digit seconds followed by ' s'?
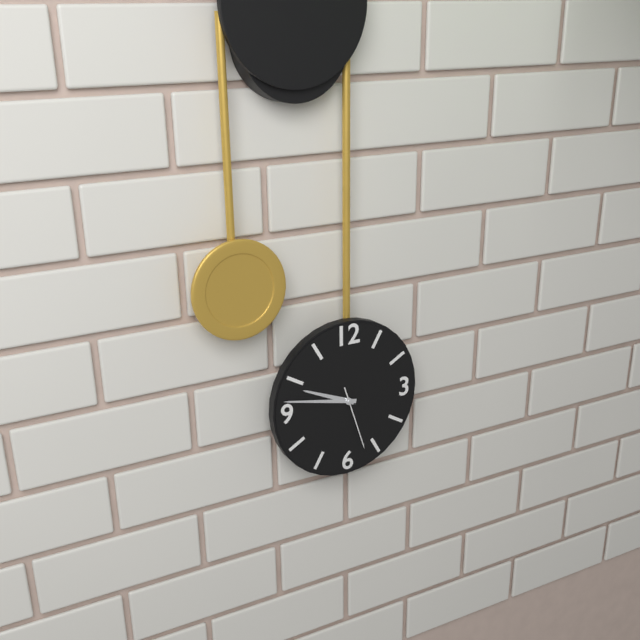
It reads 9 h 47 min 27 s
